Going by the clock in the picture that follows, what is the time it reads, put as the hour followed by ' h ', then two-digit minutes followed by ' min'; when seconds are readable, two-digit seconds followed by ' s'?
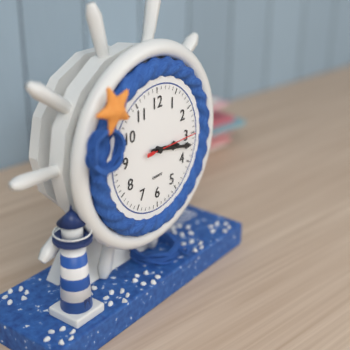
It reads 3 h 17 min 15 s
